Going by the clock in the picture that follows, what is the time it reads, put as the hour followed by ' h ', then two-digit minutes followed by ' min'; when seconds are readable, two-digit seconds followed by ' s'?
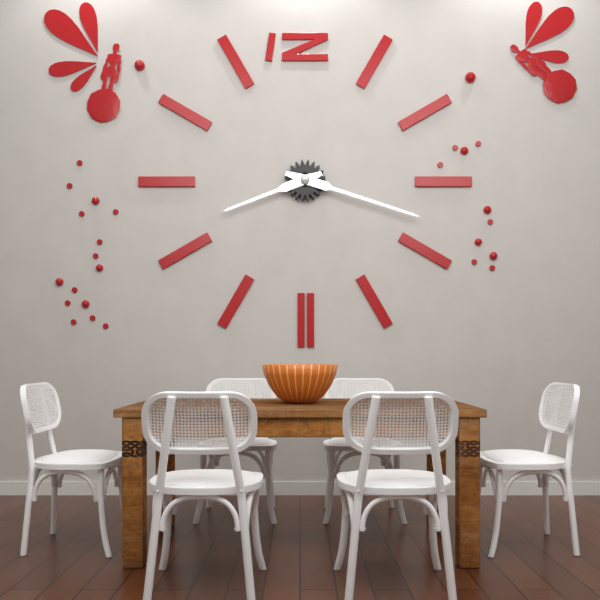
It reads 8 h 18 min
